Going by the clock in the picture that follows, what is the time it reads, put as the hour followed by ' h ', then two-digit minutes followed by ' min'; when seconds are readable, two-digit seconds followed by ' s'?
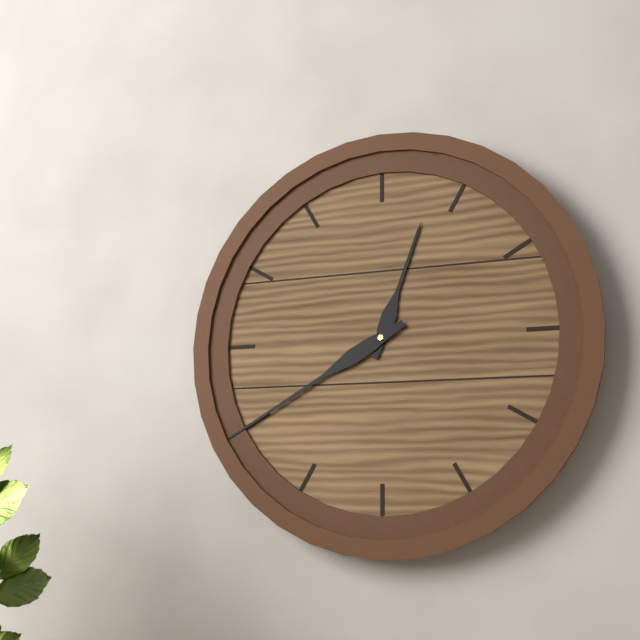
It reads 12 h 40 min
